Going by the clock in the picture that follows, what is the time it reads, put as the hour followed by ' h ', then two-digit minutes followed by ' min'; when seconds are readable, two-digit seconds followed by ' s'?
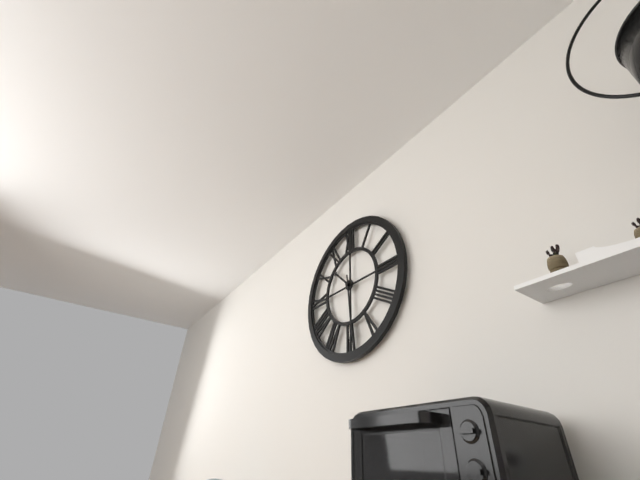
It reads 10 h 29 min
